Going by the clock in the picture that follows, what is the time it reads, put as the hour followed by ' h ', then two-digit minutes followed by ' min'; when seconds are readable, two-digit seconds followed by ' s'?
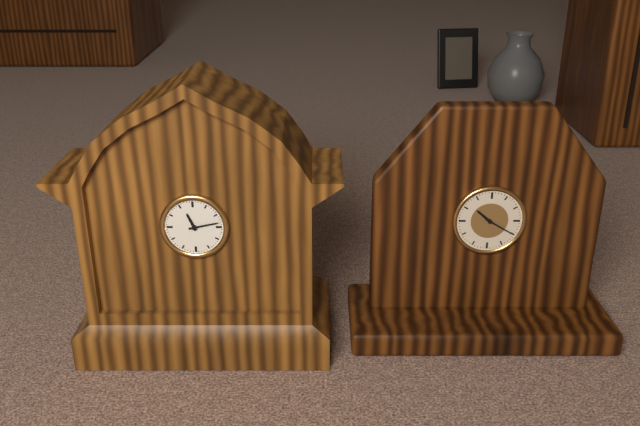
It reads 11 h 13 min
